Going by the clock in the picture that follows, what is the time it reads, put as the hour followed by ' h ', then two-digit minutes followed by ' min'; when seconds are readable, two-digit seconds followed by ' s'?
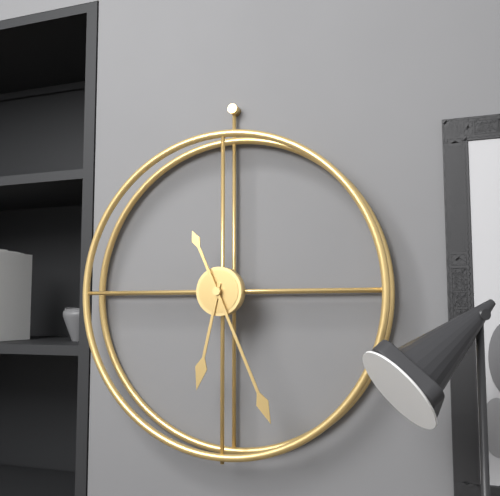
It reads 6 h 26 min
